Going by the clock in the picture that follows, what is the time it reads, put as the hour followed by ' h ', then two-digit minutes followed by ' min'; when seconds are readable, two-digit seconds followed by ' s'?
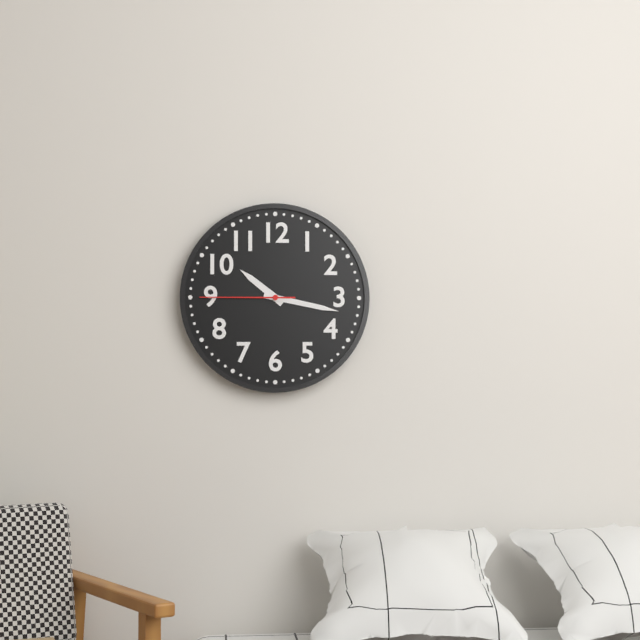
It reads 10 h 17 min 45 s
